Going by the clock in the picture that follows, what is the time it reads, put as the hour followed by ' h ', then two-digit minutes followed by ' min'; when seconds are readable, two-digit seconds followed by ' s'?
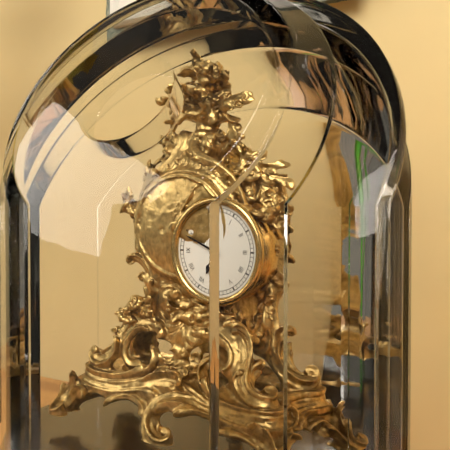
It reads 6 h 49 min
